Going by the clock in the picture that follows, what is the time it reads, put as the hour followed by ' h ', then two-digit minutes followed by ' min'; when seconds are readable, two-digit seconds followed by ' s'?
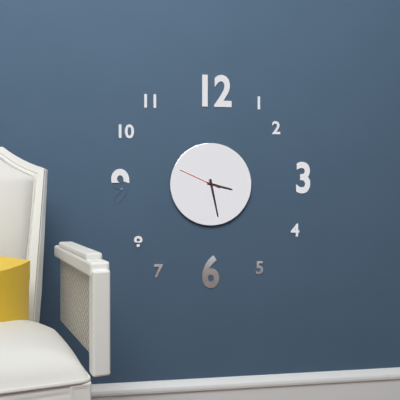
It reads 3 h 28 min
